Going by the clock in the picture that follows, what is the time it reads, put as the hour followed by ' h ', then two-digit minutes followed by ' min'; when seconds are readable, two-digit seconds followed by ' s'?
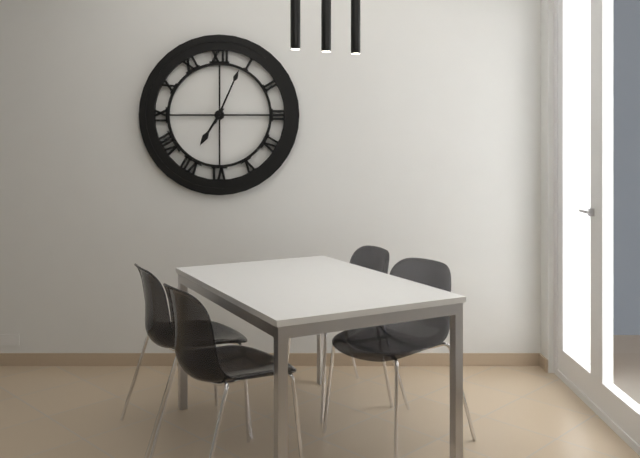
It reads 7 h 04 min
